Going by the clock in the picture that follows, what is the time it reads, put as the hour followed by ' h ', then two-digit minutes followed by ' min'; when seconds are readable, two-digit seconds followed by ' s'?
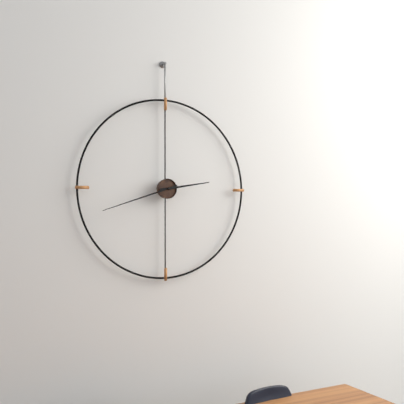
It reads 2 h 42 min
